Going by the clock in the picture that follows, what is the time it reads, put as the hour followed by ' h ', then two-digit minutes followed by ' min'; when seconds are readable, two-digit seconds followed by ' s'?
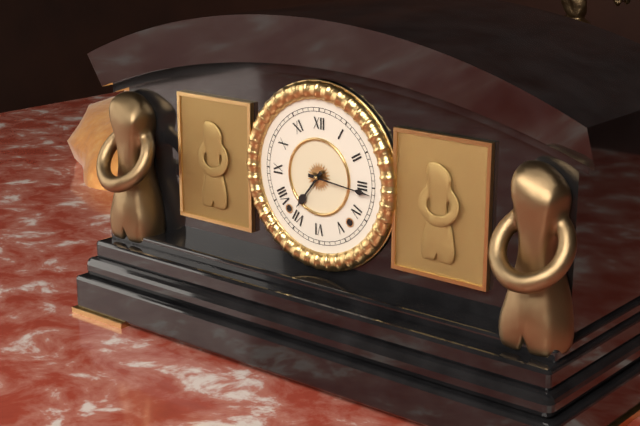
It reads 7 h 16 min
